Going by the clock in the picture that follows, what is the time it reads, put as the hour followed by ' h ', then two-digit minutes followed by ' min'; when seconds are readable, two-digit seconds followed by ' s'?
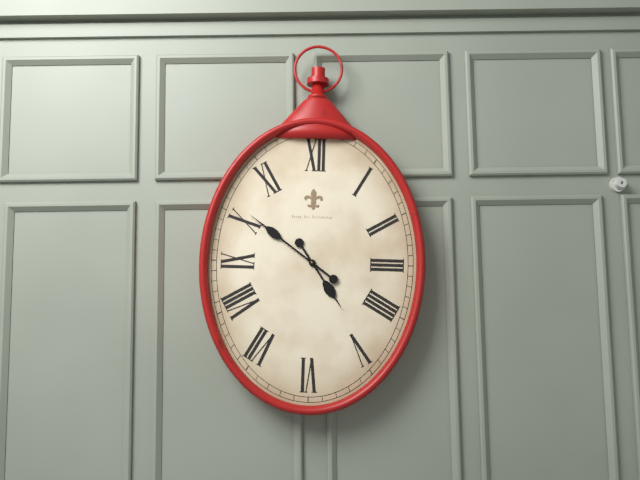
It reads 4 h 51 min
